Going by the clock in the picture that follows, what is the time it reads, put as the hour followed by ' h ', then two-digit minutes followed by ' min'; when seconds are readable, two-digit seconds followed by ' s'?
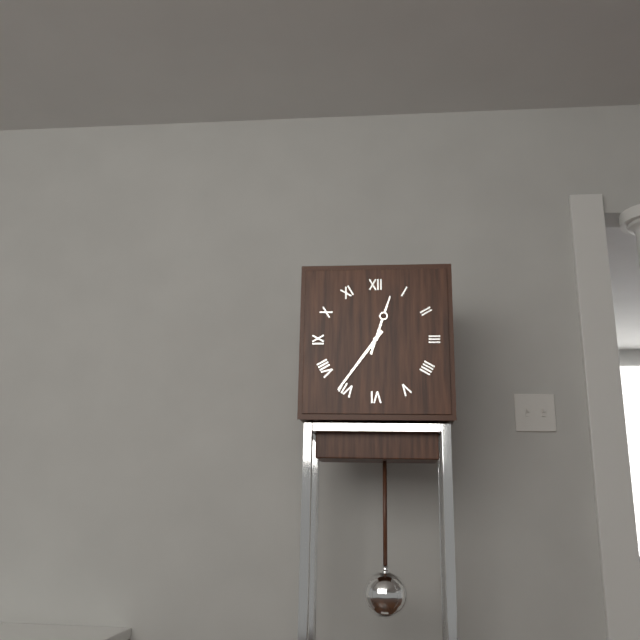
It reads 12 h 36 min
